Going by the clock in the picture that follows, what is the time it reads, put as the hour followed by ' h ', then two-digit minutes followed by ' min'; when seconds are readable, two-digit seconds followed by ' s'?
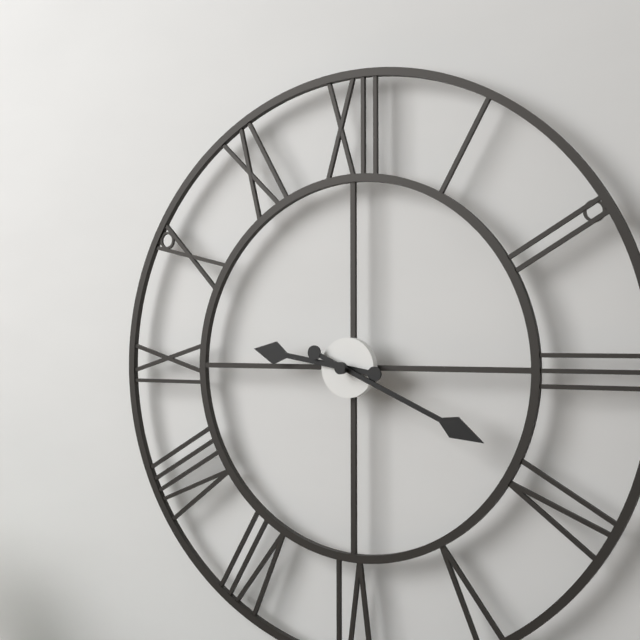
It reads 9 h 19 min
